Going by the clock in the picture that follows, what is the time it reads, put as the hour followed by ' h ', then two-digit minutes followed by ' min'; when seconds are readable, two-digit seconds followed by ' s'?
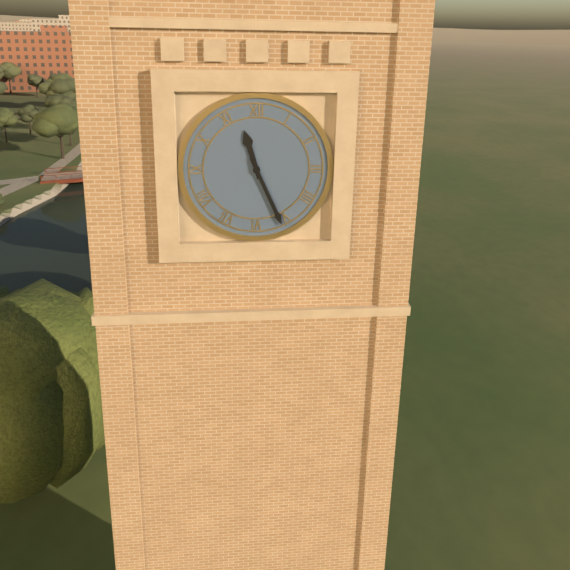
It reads 11 h 26 min
